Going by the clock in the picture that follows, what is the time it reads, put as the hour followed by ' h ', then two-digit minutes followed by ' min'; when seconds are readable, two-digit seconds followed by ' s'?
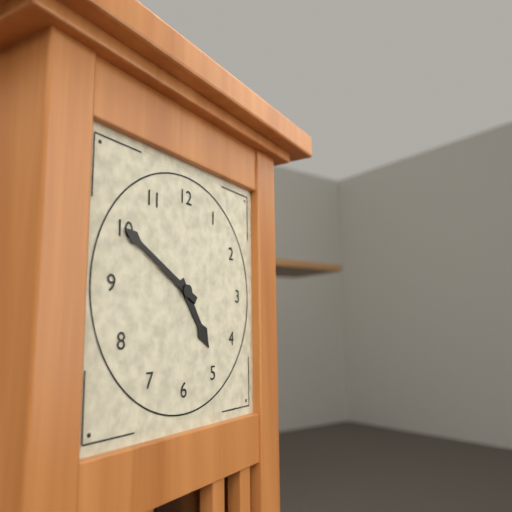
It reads 4 h 50 min
